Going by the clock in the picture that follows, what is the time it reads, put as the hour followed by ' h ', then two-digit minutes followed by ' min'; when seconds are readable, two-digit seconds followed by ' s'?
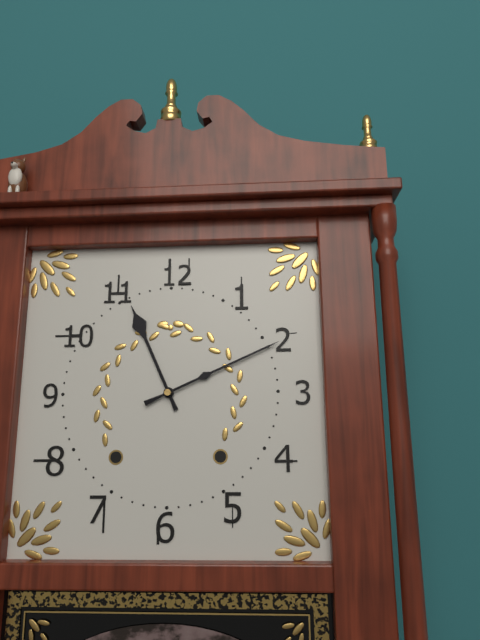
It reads 11 h 11 min
